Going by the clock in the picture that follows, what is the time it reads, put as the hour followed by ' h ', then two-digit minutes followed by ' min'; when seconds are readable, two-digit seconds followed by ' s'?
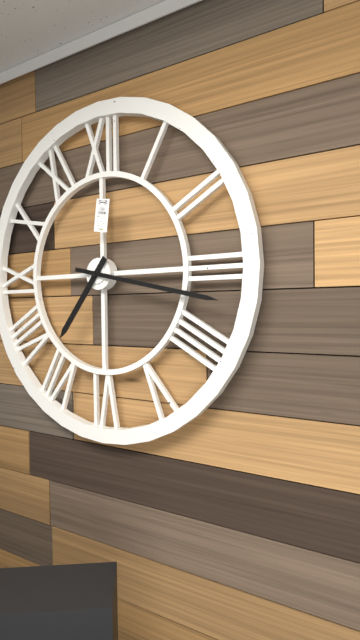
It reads 7 h 17 min
